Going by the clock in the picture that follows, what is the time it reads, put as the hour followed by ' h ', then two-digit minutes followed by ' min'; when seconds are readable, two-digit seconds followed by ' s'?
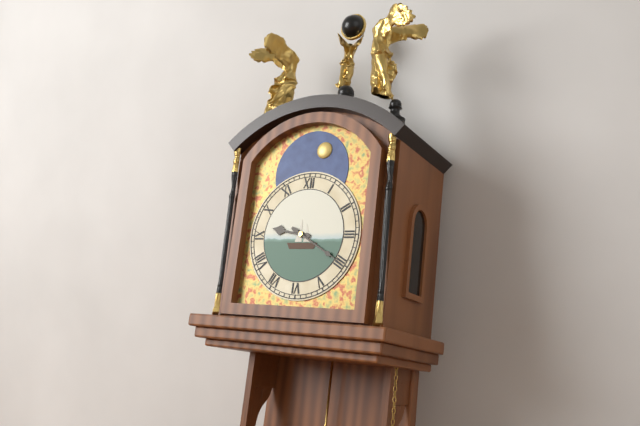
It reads 9 h 20 min
